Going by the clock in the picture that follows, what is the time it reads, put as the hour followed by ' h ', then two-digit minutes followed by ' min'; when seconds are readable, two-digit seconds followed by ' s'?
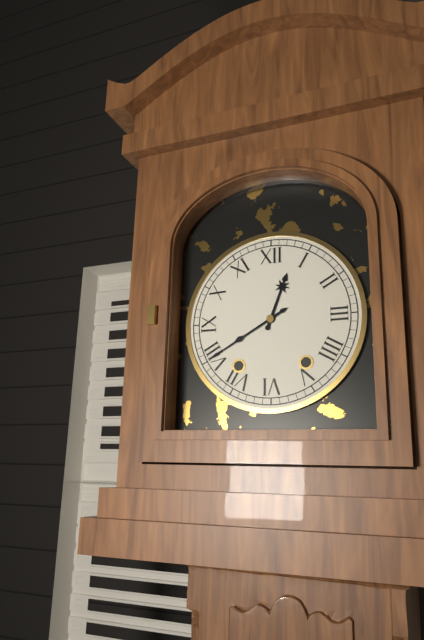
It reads 12 h 40 min
